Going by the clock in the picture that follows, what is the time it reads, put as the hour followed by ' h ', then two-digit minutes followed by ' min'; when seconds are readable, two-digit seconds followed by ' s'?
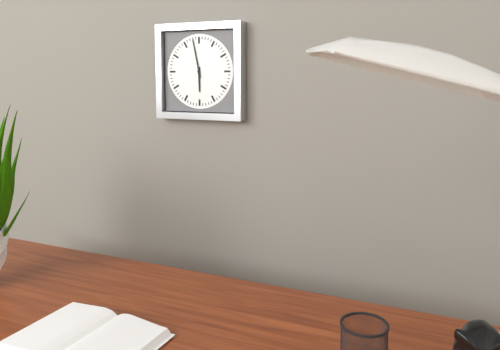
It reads 5 h 58 min
